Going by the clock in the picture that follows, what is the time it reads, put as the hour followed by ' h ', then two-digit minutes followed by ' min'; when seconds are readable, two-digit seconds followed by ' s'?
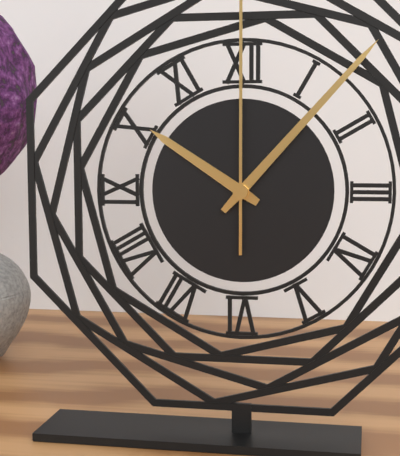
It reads 10 h 07 min
